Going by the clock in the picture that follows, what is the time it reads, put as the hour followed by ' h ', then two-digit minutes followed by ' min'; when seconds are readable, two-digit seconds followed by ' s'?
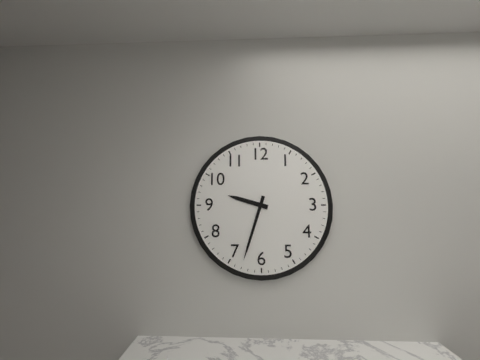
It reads 9 h 33 min
